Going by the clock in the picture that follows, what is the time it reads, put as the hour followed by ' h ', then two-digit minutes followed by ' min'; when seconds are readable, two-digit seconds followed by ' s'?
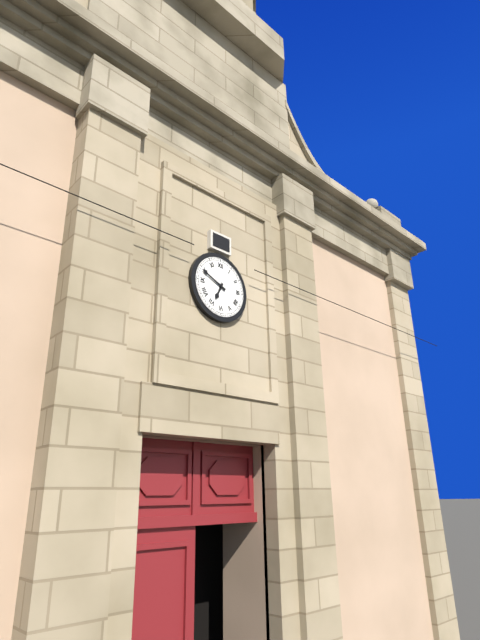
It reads 6 h 49 min
